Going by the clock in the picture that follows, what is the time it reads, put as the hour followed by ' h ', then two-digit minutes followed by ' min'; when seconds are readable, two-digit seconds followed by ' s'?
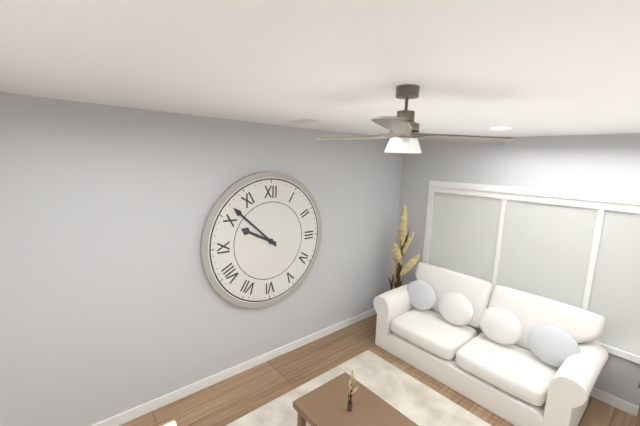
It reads 9 h 52 min
